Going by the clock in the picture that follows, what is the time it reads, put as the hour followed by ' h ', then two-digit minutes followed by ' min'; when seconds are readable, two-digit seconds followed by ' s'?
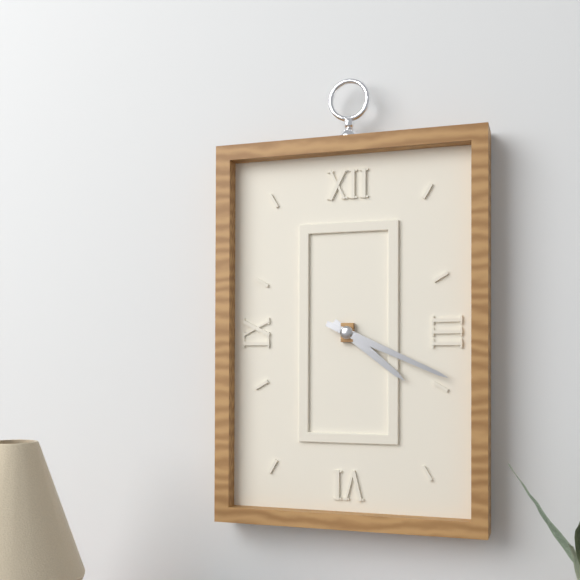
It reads 4 h 19 min
